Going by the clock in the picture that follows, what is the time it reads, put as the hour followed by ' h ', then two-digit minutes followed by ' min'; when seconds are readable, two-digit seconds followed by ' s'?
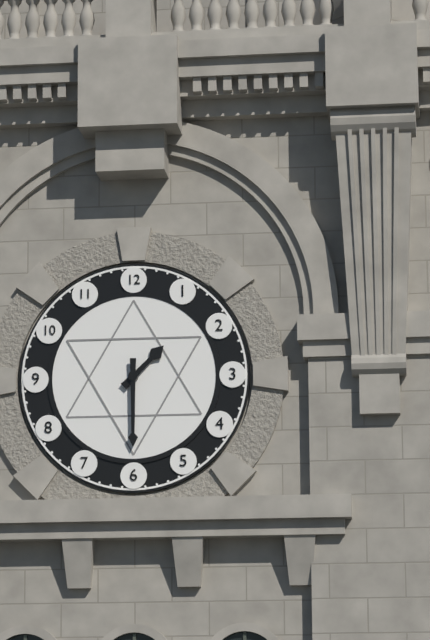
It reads 1 h 30 min
